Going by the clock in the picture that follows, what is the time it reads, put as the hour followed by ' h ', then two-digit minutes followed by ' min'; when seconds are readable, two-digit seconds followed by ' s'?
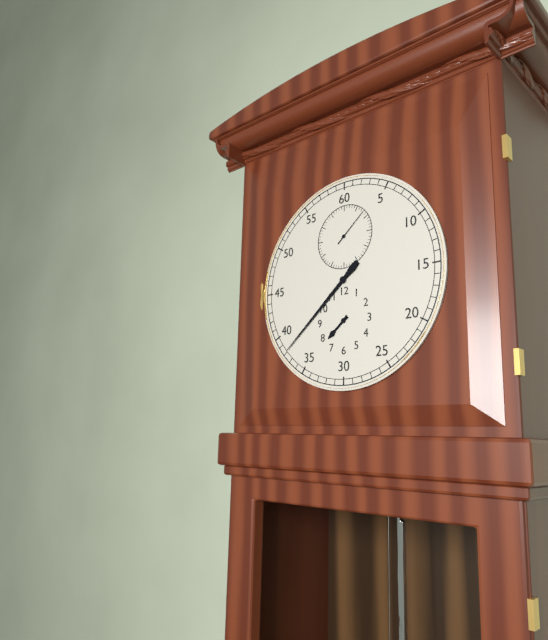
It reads 7 h 38 min
